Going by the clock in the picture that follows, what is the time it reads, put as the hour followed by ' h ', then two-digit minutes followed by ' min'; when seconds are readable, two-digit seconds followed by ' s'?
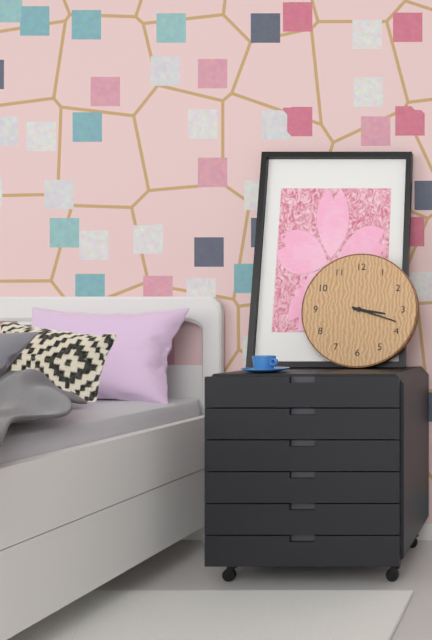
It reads 3 h 18 min
